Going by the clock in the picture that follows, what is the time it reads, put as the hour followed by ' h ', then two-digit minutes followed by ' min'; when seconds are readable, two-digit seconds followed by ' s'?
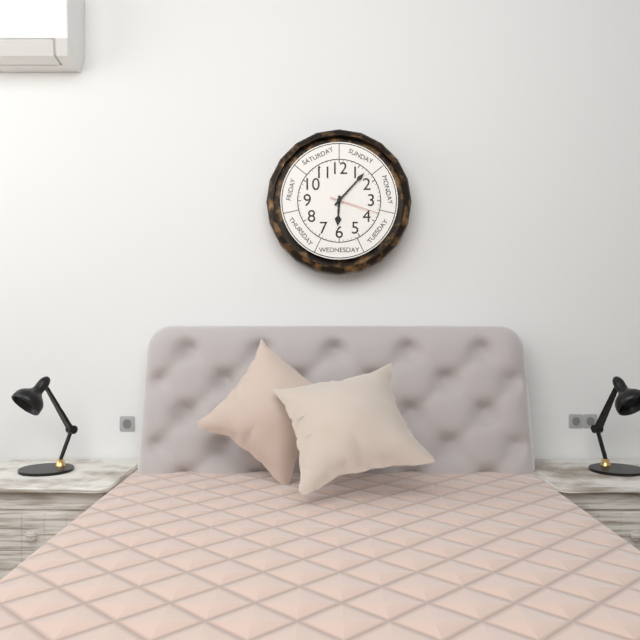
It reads 6 h 07 min 18 s
